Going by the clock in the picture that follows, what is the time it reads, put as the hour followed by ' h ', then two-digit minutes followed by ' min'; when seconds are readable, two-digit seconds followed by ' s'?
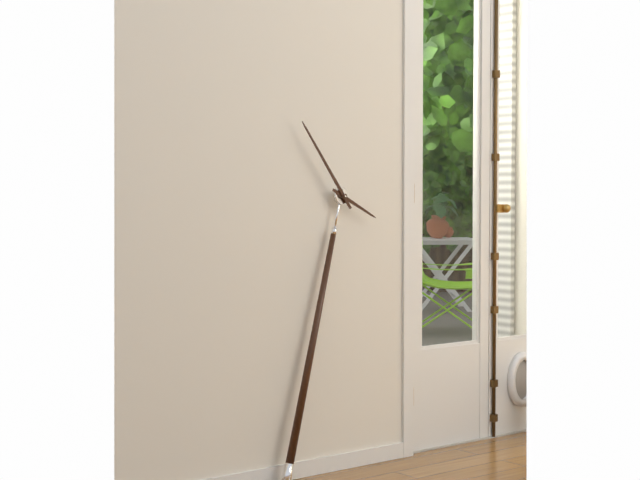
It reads 3 h 54 min
